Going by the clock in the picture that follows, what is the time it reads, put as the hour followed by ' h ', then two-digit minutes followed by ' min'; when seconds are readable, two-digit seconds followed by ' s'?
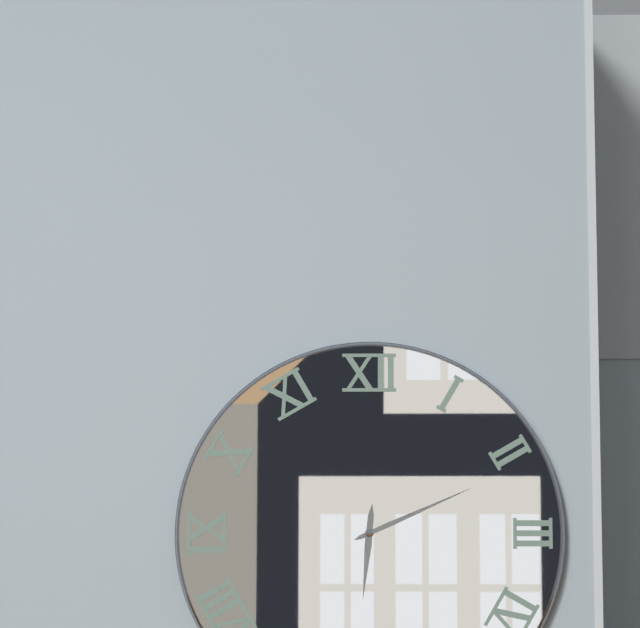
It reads 6 h 11 min
